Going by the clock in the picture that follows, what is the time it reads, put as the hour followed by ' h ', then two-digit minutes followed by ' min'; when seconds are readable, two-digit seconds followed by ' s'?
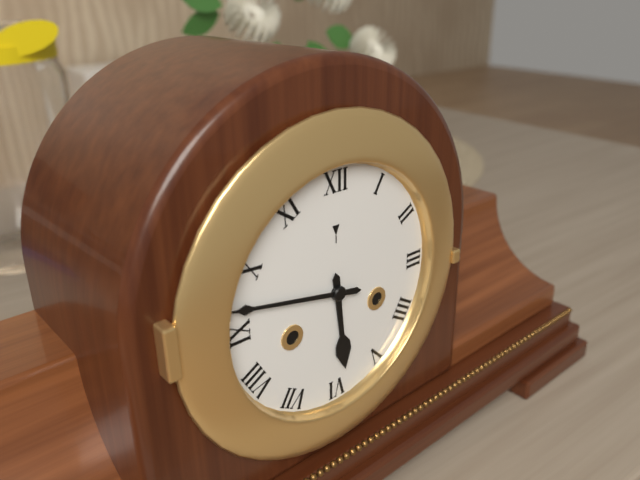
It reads 5 h 47 min
